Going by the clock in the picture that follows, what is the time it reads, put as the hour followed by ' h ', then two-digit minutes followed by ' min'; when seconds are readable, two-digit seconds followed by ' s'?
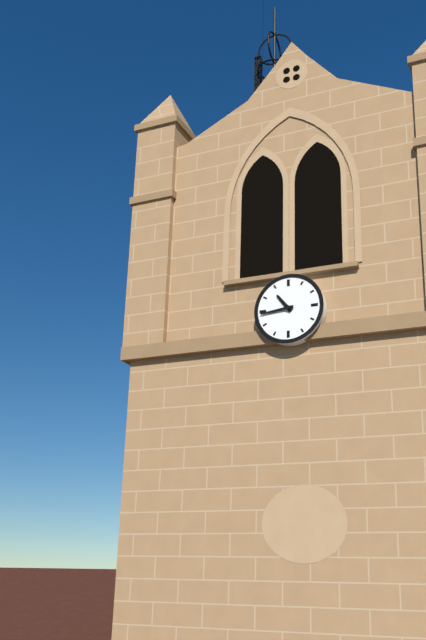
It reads 10 h 44 min
